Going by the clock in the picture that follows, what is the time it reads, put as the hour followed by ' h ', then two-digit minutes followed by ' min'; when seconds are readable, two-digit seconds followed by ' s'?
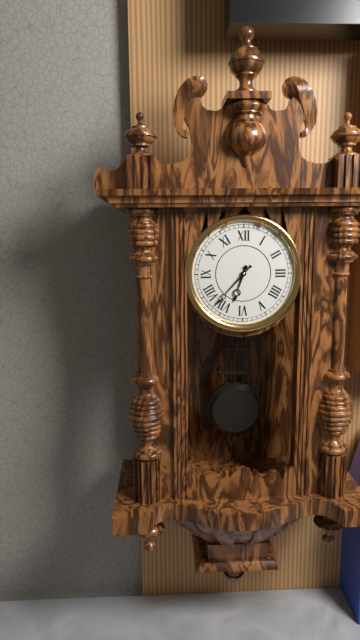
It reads 6 h 37 min
